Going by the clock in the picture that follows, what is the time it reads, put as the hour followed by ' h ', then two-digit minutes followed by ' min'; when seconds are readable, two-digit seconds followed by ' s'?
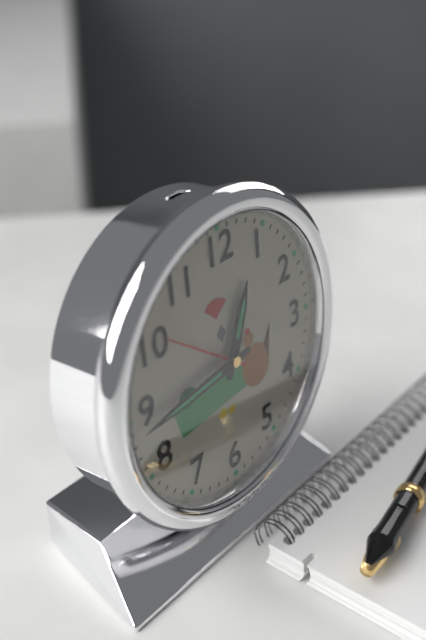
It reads 12 h 44 min
